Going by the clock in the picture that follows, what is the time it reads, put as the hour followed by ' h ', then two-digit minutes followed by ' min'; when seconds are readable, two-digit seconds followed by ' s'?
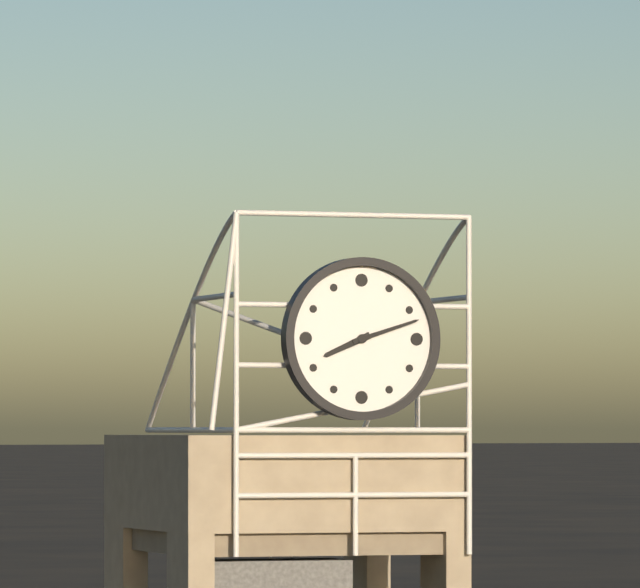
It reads 8 h 12 min
